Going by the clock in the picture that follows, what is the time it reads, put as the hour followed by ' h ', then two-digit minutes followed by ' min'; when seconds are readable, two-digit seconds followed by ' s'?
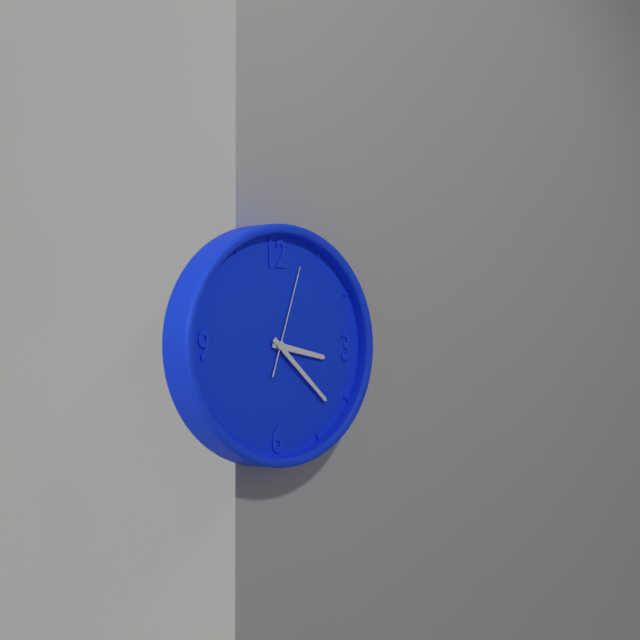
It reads 3 h 22 min 03 s
